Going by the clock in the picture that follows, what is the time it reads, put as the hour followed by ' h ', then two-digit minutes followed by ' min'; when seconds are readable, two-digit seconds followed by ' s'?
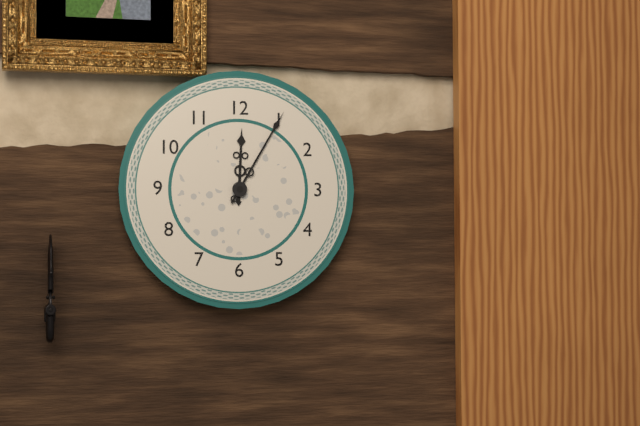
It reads 12 h 05 min
